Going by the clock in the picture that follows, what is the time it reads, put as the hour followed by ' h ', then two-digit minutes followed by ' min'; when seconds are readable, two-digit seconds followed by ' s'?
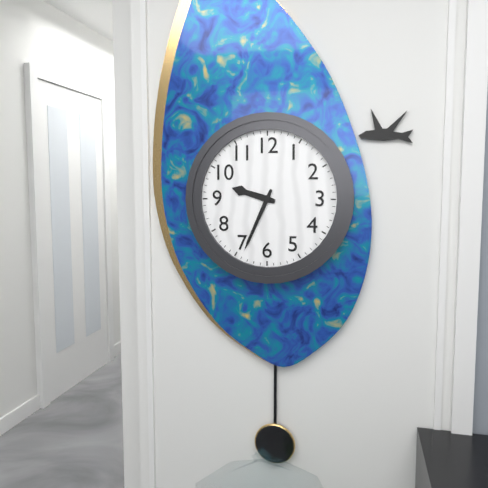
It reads 9 h 34 min
